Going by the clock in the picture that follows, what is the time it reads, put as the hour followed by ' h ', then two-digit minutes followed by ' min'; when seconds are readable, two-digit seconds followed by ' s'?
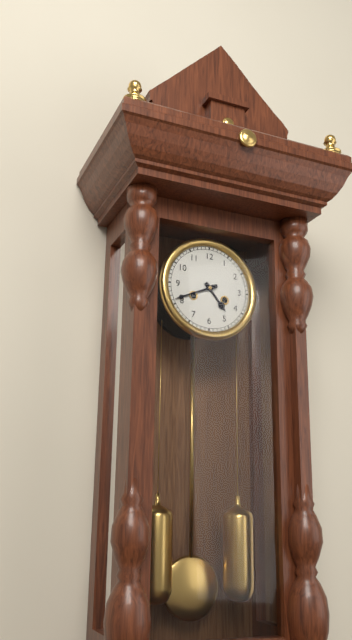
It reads 4 h 41 min
